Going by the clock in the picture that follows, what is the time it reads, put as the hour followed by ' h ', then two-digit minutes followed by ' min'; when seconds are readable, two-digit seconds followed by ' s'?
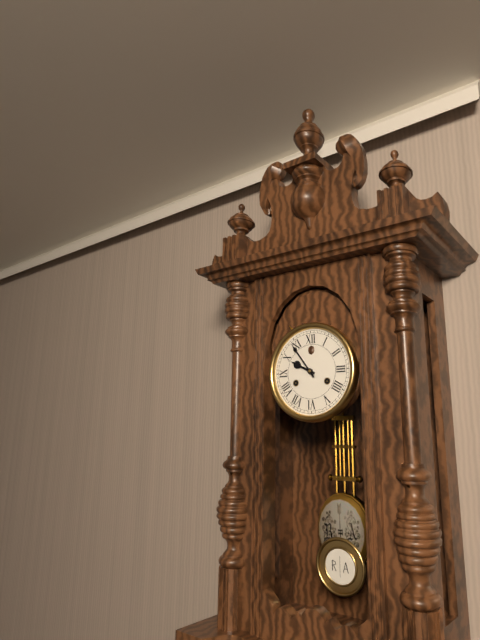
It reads 9 h 54 min
